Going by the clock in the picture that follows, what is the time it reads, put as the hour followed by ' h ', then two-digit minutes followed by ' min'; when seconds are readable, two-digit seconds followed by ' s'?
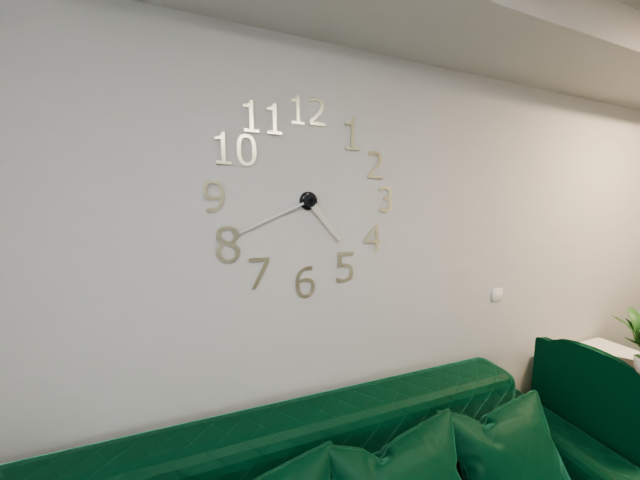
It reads 4 h 41 min
